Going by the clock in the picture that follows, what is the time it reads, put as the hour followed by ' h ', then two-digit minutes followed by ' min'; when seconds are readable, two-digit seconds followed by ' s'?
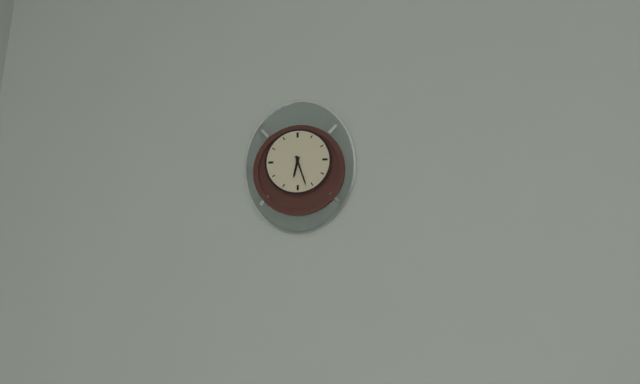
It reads 6 h 27 min
